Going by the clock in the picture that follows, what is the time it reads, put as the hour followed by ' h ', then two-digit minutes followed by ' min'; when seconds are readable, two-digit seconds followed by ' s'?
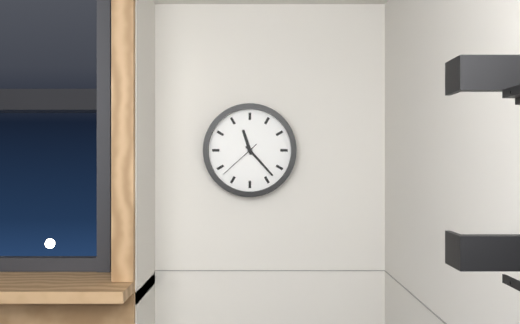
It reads 11 h 23 min
